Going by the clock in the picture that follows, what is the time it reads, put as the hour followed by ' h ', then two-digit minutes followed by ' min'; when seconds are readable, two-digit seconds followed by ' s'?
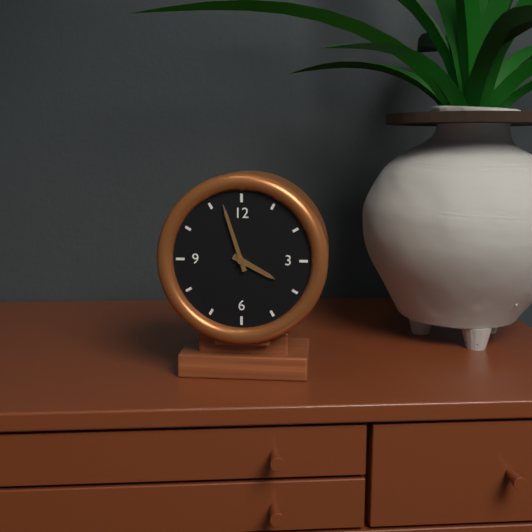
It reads 3 h 57 min
